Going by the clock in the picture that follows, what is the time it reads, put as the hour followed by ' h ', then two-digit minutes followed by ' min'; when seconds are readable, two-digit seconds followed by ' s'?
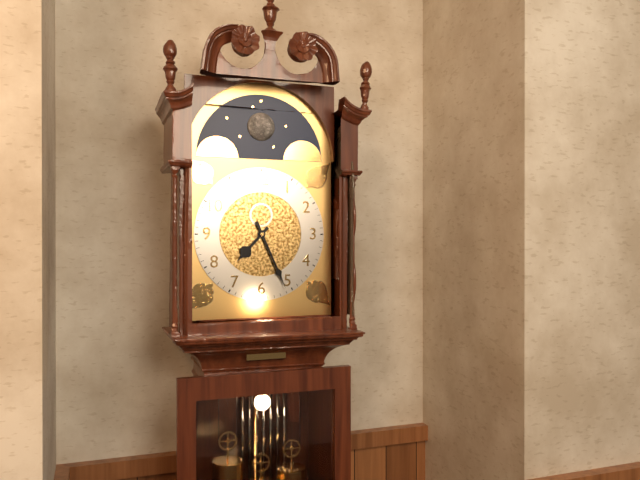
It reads 7 h 26 min
